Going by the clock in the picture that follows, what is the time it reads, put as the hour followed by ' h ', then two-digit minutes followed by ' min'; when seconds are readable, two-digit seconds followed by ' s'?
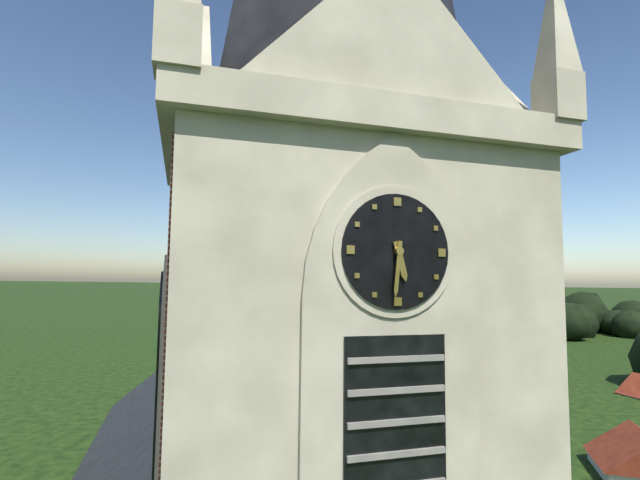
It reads 5 h 31 min
